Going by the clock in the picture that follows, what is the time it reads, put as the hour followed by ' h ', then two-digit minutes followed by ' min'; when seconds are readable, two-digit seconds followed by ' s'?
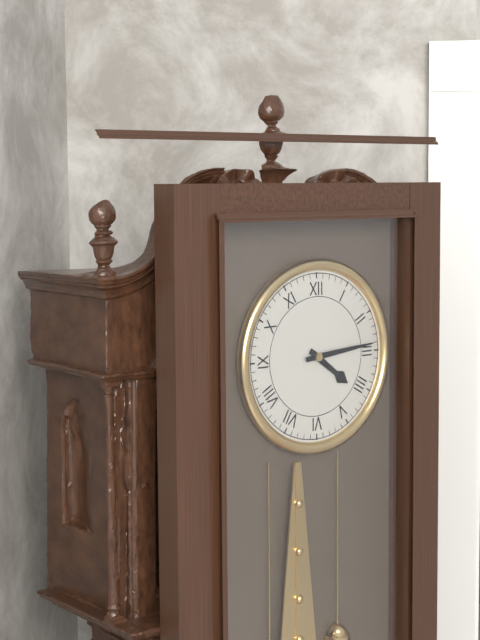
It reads 4 h 14 min
